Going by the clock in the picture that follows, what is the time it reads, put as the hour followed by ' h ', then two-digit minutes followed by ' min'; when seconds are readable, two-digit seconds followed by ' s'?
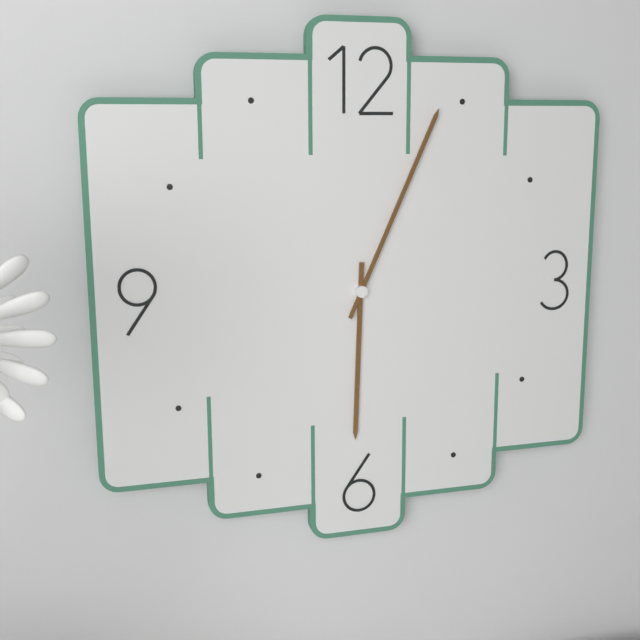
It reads 6 h 04 min
